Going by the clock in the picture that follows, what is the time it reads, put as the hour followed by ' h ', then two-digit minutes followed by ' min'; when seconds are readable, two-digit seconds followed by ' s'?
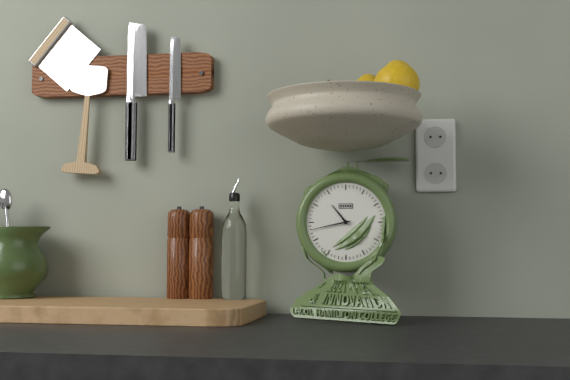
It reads 10 h 43 min
